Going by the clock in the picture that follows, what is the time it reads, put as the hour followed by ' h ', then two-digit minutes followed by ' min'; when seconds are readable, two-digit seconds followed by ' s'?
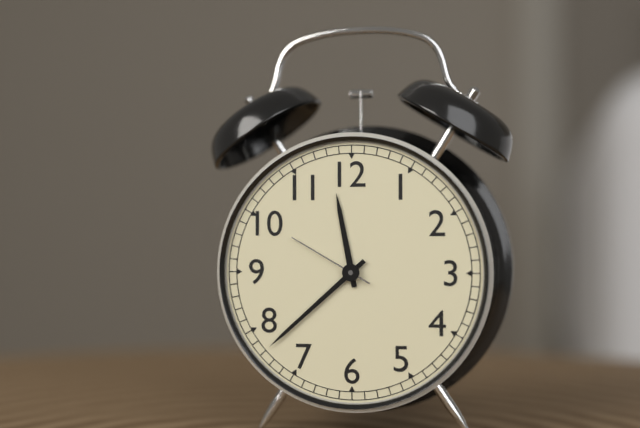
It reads 11 h 38 min 50 s
